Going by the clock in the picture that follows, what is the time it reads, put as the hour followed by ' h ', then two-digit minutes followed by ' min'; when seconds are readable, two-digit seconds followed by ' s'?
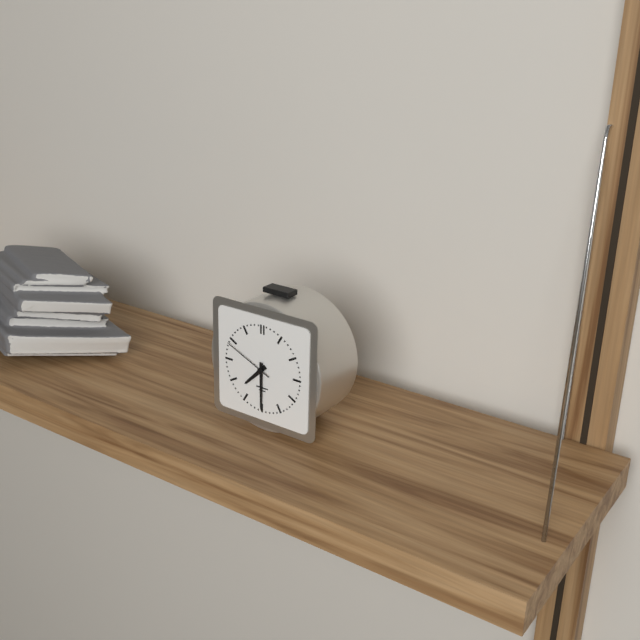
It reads 7 h 30 min 49 s
